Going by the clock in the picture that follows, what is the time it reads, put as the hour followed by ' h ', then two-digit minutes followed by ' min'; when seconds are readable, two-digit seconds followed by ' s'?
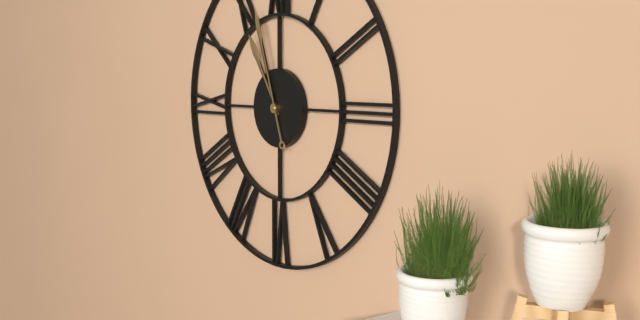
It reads 10 h 57 min
